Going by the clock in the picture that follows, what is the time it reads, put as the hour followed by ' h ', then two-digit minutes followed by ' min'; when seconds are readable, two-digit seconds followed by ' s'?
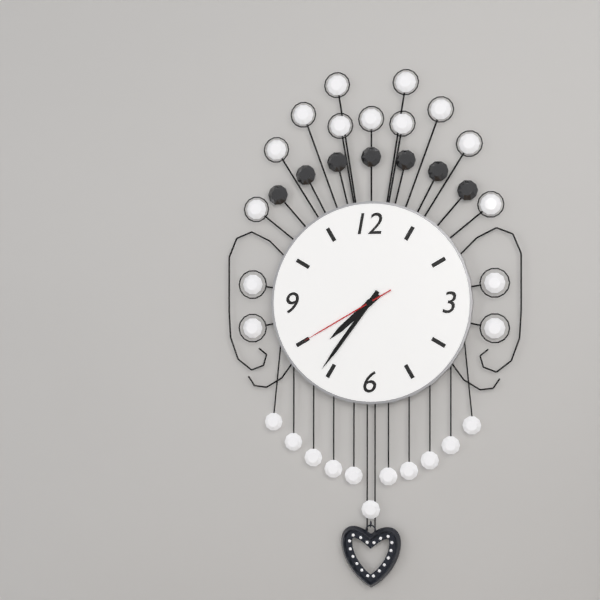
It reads 7 h 36 min 40 s
